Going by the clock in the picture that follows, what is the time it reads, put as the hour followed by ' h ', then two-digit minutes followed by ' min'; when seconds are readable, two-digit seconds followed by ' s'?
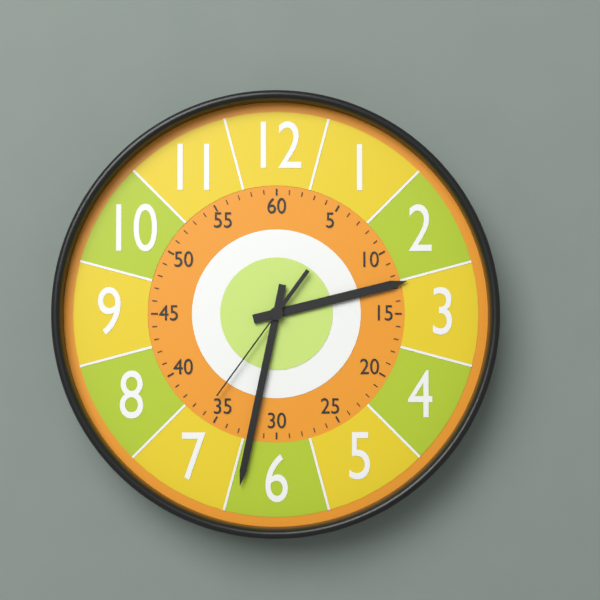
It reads 2 h 32 min 36 s
